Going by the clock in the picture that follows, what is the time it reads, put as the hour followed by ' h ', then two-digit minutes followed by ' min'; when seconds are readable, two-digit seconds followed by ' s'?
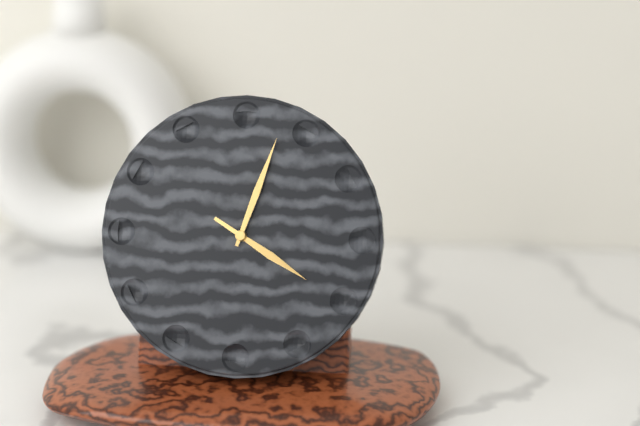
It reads 4 h 03 min
